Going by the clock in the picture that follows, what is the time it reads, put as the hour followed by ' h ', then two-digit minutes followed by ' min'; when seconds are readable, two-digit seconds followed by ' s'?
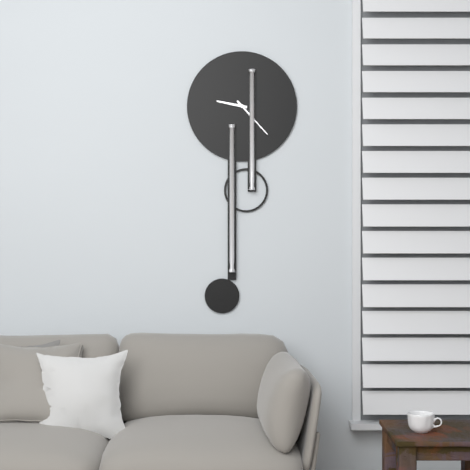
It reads 9 h 23 min
